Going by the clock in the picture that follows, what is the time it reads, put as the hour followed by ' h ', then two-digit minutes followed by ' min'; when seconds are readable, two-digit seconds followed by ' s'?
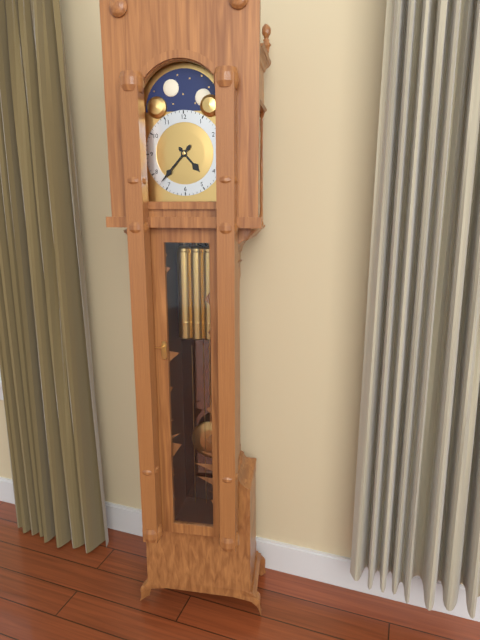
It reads 4 h 37 min
